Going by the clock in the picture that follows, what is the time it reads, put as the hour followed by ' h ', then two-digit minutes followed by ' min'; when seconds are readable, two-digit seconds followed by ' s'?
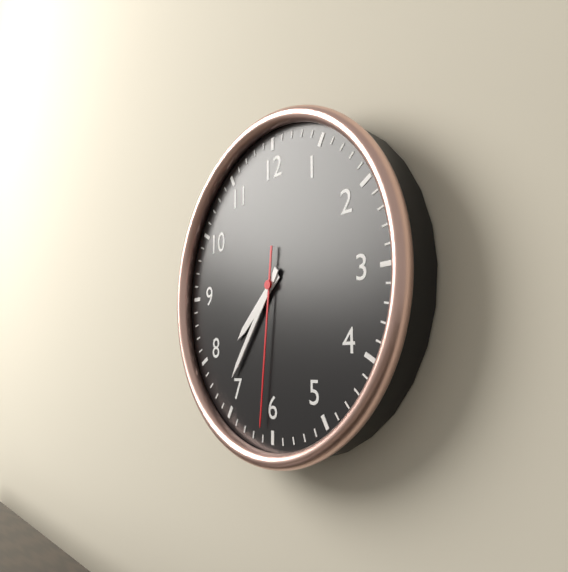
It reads 7 h 36 min 31 s
